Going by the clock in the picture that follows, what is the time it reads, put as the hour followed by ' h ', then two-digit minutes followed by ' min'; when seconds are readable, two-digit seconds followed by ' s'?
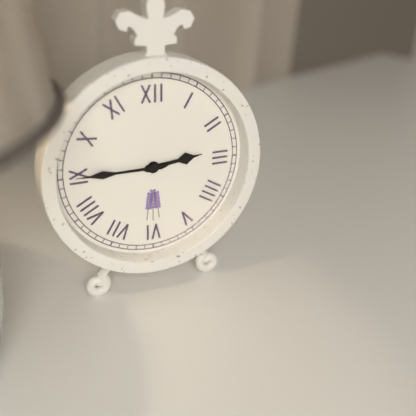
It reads 2 h 45 min
